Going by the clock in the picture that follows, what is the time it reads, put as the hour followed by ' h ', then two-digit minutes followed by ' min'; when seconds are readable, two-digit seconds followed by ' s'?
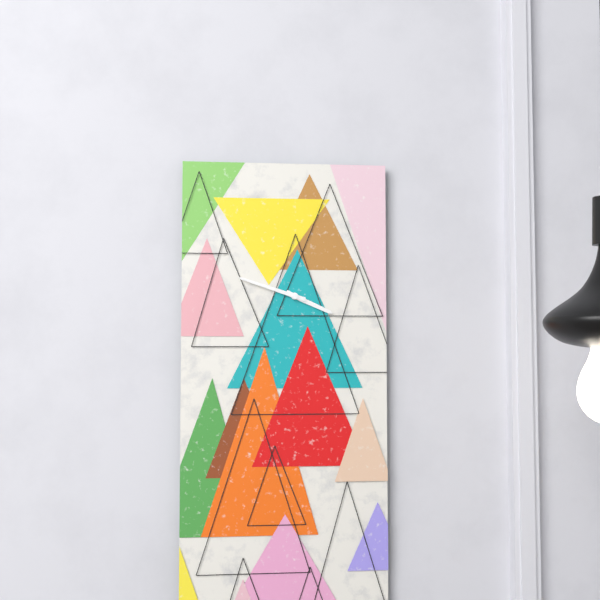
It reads 3 h 48 min
